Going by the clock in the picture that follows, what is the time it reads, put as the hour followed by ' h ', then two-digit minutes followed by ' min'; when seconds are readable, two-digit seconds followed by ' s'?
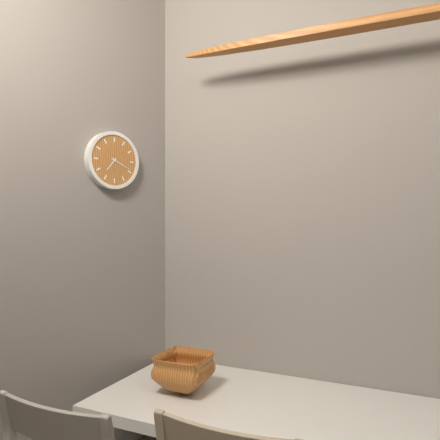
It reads 7 h 19 min
